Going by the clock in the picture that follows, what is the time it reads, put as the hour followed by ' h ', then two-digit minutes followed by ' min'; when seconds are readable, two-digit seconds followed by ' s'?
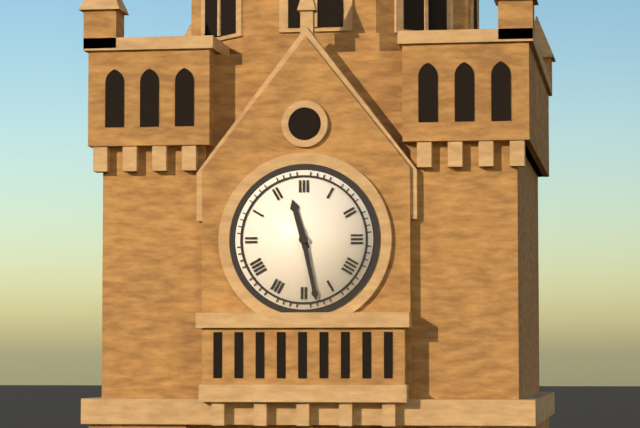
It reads 11 h 28 min
